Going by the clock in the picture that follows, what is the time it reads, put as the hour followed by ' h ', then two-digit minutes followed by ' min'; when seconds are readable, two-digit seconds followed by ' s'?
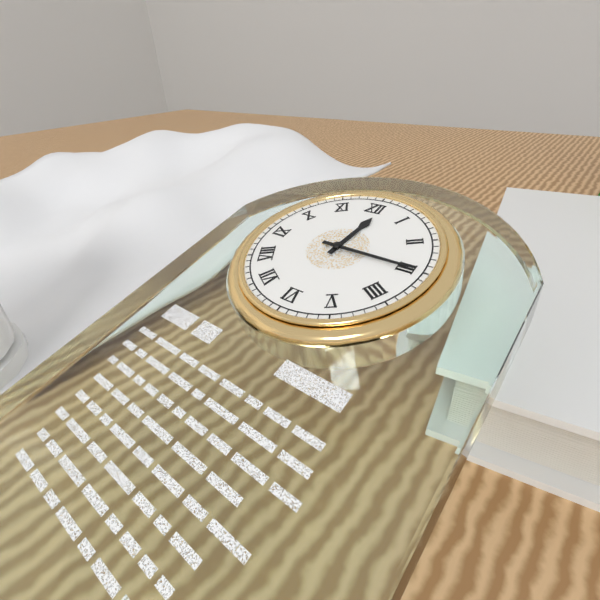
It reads 12 h 15 min
